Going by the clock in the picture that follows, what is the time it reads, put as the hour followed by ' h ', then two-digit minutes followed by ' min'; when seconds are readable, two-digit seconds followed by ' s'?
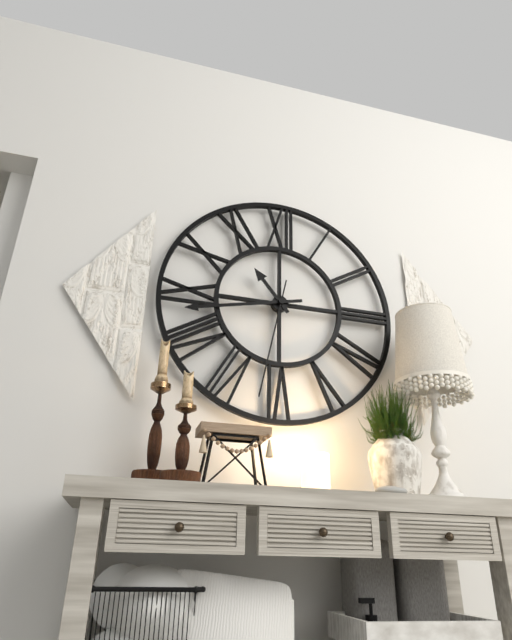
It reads 10 h 43 min 32 s
